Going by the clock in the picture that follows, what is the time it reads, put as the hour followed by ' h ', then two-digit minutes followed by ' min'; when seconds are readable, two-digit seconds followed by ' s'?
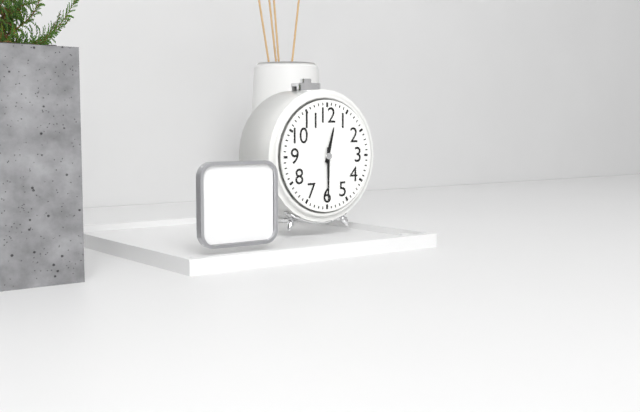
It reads 12 h 30 min
